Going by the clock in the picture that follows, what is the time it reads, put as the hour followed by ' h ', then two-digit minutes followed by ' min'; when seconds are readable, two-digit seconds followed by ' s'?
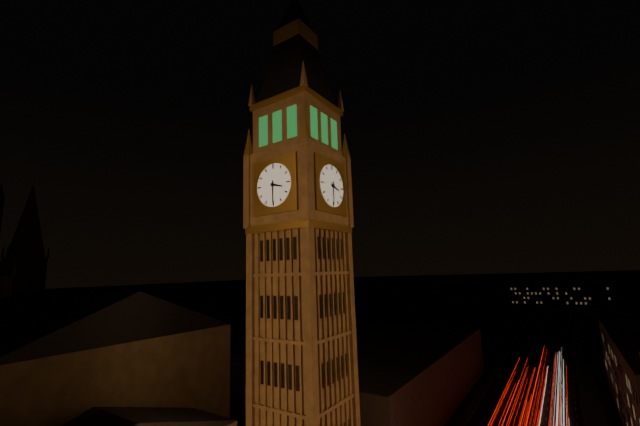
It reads 3 h 30 min
